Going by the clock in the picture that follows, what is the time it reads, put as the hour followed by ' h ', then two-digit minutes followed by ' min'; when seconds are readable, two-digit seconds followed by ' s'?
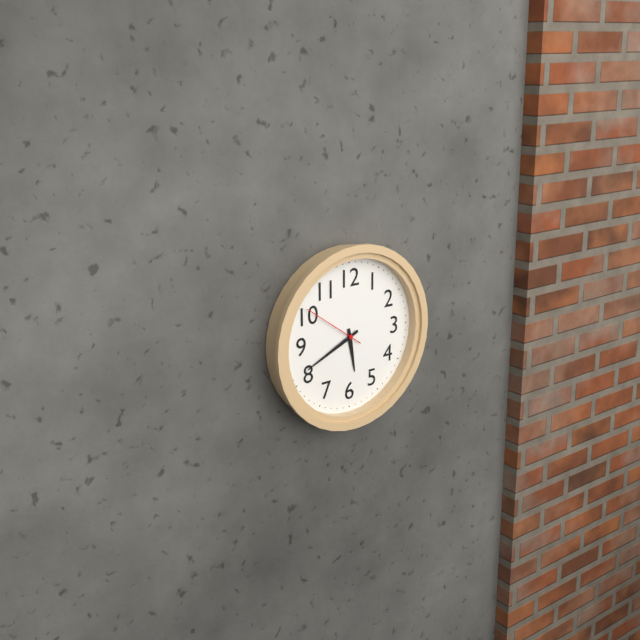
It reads 5 h 41 min 51 s
